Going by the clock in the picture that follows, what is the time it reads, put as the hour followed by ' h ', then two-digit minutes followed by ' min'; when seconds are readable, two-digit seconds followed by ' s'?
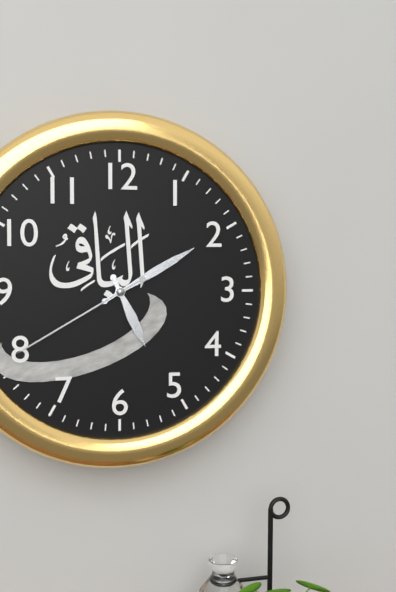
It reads 5 h 10 min 40 s
